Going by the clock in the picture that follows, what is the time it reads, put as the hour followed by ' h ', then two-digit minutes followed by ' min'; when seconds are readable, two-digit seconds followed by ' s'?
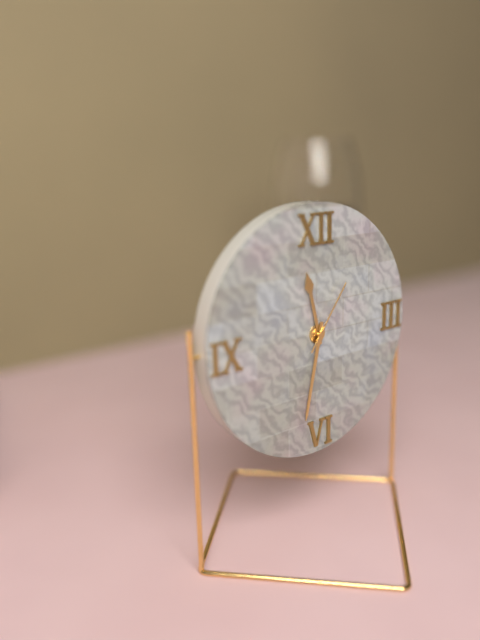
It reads 11 h 32 min 06 s
